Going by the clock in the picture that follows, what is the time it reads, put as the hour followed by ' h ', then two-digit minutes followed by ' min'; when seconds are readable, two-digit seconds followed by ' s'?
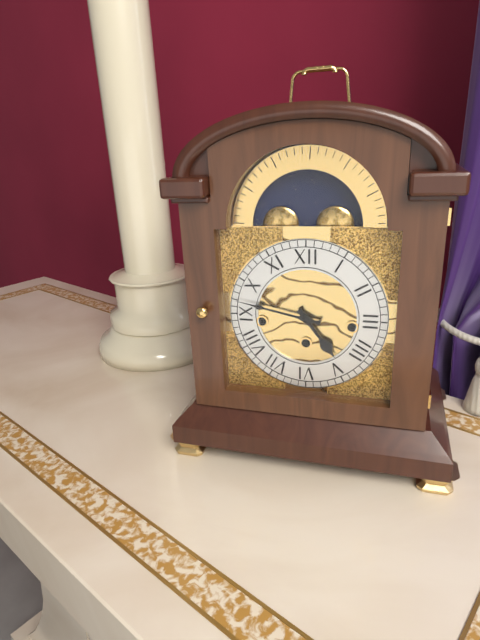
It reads 4 h 47 min
